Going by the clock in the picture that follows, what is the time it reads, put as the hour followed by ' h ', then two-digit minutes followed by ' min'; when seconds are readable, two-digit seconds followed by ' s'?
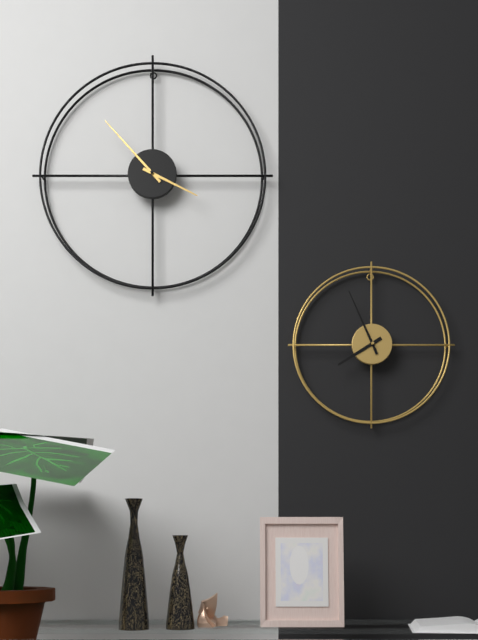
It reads 3 h 53 min
